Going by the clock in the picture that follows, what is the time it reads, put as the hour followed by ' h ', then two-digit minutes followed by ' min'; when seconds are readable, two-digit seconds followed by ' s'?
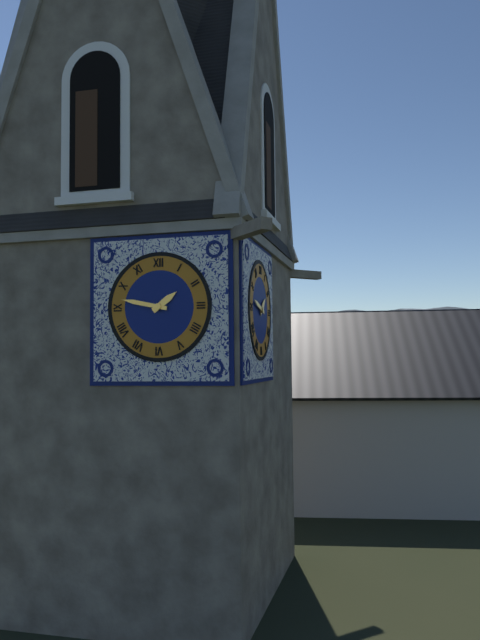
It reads 1 h 47 min
